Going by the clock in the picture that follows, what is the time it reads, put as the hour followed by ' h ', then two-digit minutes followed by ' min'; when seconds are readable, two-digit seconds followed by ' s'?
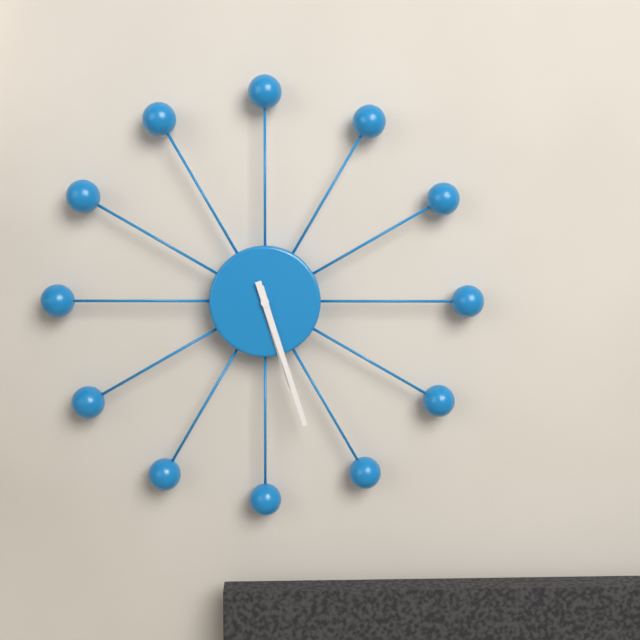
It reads 5 h 27 min
